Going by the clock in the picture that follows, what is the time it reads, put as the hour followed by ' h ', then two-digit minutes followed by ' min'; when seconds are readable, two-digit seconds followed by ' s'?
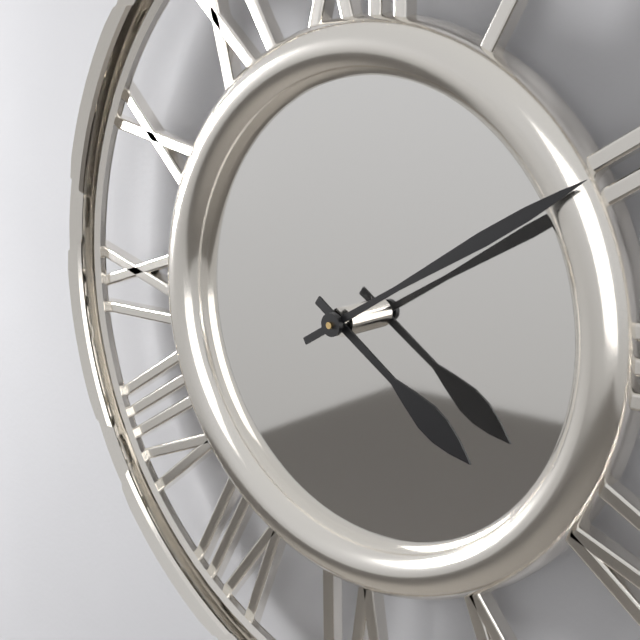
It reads 4 h 10 min
